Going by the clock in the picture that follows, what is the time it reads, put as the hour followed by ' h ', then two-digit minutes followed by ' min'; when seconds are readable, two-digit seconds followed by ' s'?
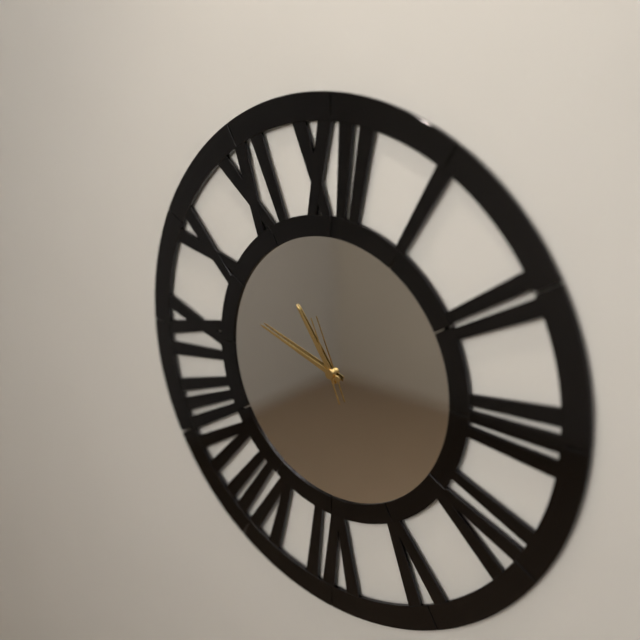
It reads 10 h 48 min 56 s
